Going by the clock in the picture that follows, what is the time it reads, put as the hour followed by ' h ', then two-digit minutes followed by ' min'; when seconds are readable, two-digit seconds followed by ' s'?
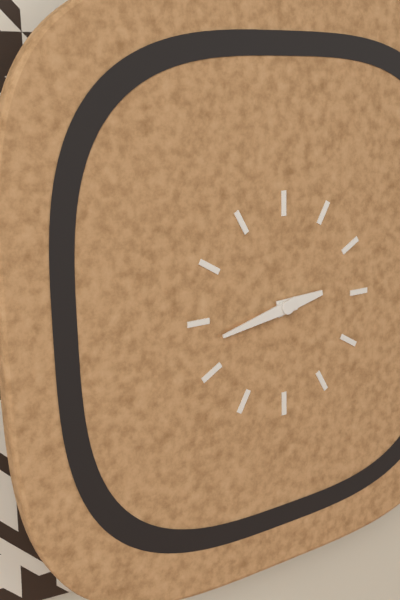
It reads 2 h 43 min
